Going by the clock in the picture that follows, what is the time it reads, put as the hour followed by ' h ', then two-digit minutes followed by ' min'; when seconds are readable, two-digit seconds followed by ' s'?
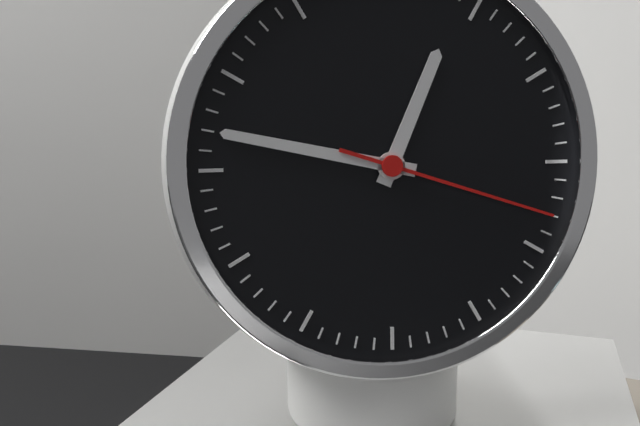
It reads 12 h 47 min 18 s
